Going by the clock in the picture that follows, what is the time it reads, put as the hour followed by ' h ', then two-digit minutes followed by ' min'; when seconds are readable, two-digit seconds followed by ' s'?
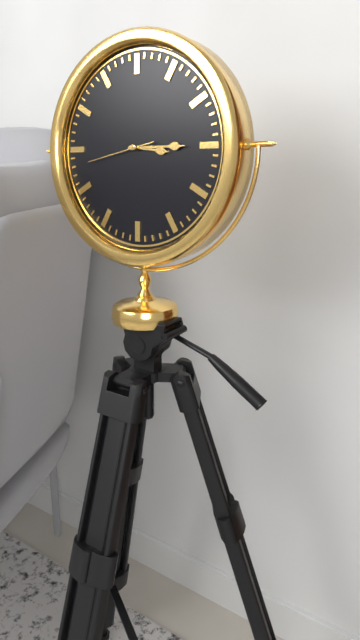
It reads 3 h 15 min 43 s
